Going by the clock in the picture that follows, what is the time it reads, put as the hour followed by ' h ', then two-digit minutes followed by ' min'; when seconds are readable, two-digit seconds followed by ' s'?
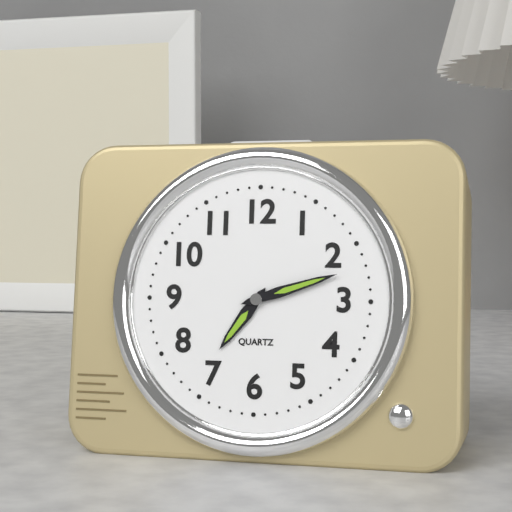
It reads 7 h 12 min
